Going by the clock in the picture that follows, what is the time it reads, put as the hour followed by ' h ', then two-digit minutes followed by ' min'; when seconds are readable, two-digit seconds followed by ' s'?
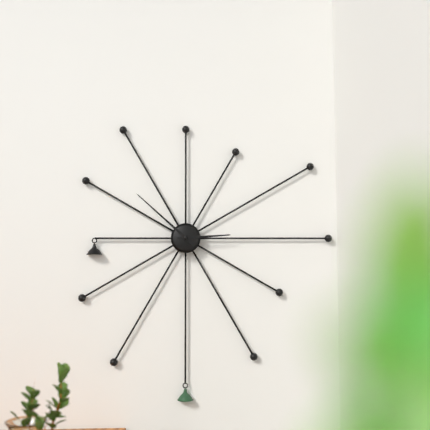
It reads 2 h 52 min
